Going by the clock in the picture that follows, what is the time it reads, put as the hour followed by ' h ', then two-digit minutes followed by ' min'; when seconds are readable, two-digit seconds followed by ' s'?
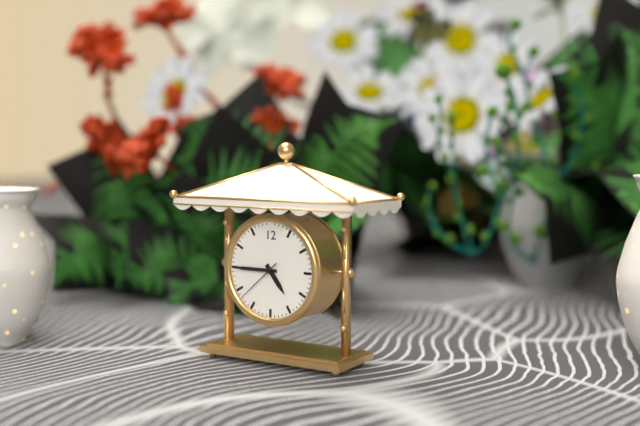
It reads 4 h 45 min
